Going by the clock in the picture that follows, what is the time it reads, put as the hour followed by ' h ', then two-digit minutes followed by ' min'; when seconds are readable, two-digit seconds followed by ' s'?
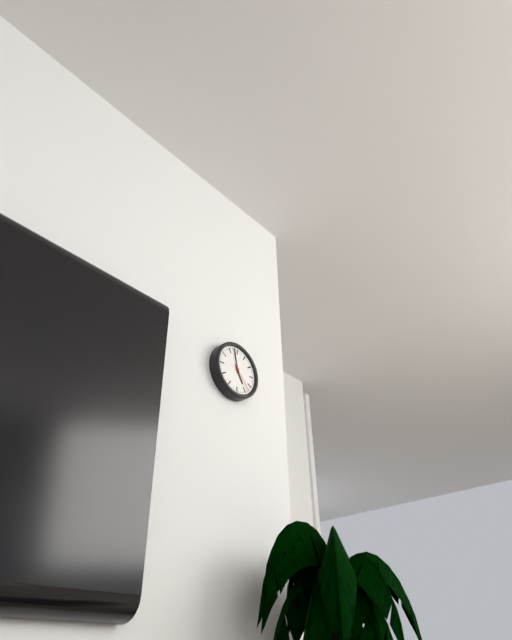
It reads 4 h 58 min
